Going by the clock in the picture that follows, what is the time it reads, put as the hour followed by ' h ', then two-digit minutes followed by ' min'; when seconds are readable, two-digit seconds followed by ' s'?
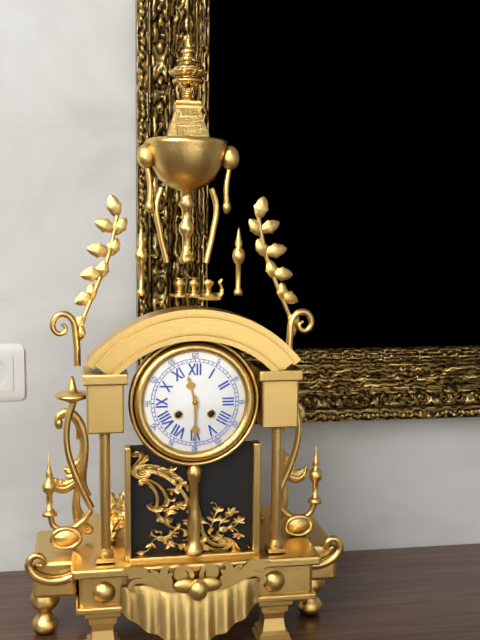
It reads 11 h 30 min
